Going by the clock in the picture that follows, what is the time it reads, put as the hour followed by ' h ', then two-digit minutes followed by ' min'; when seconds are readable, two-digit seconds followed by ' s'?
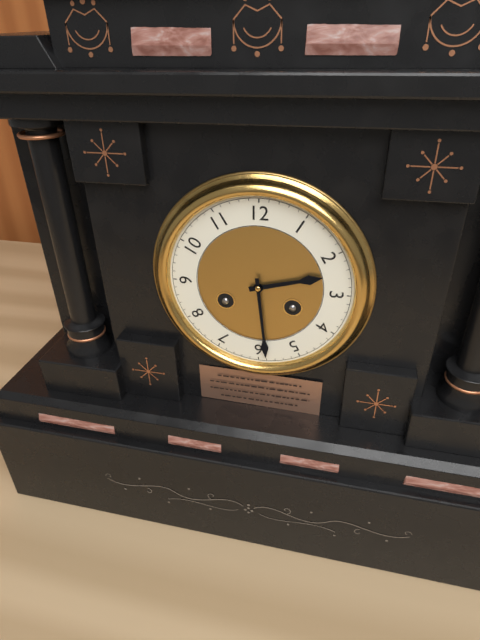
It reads 2 h 29 min
